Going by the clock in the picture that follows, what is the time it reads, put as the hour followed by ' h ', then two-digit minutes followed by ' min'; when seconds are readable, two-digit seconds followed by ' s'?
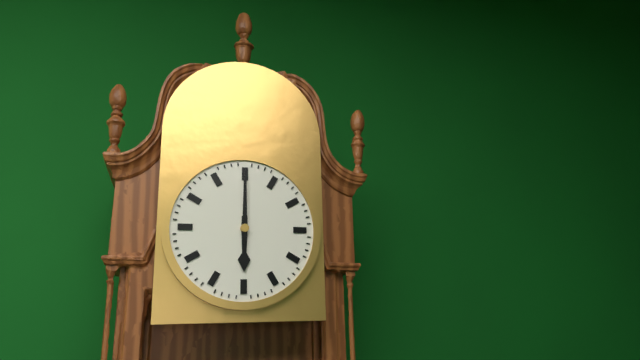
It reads 6 h 00 min
